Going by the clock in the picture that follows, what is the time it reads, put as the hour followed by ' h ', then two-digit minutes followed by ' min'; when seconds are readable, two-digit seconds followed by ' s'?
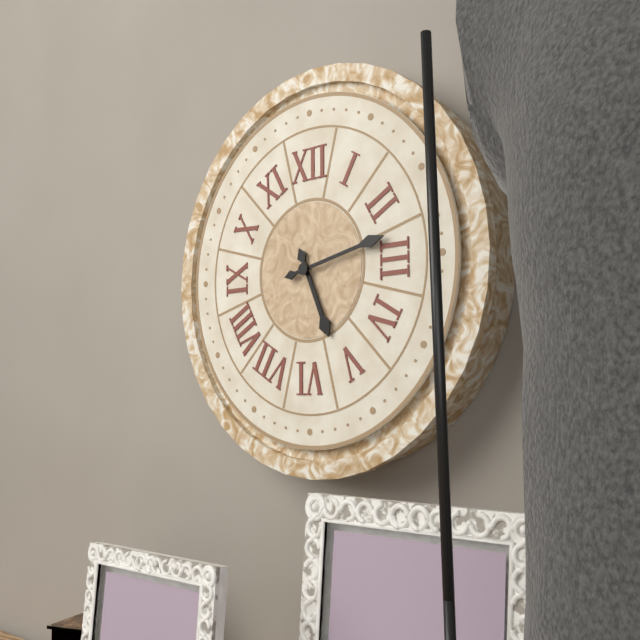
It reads 5 h 13 min
